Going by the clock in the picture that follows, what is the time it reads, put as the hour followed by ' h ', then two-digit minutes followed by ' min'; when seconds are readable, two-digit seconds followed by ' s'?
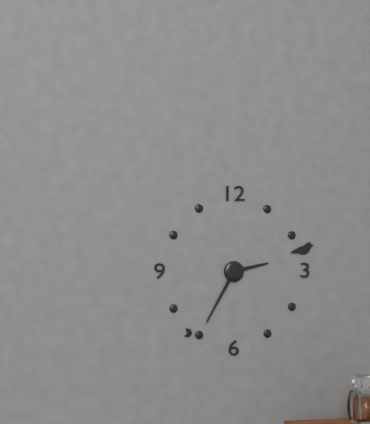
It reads 2 h 35 min
